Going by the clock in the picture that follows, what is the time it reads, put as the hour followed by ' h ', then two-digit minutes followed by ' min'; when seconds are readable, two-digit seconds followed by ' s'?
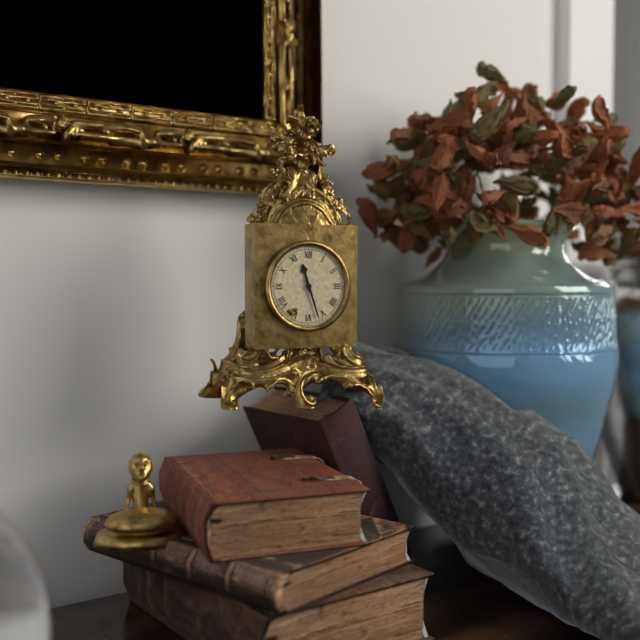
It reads 11 h 27 min
